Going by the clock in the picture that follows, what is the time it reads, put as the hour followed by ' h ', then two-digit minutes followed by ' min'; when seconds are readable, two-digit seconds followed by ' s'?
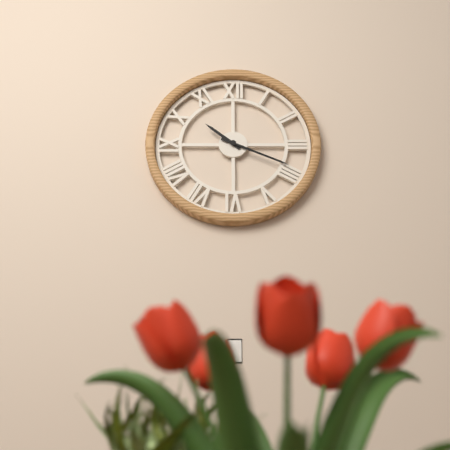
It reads 10 h 19 min
